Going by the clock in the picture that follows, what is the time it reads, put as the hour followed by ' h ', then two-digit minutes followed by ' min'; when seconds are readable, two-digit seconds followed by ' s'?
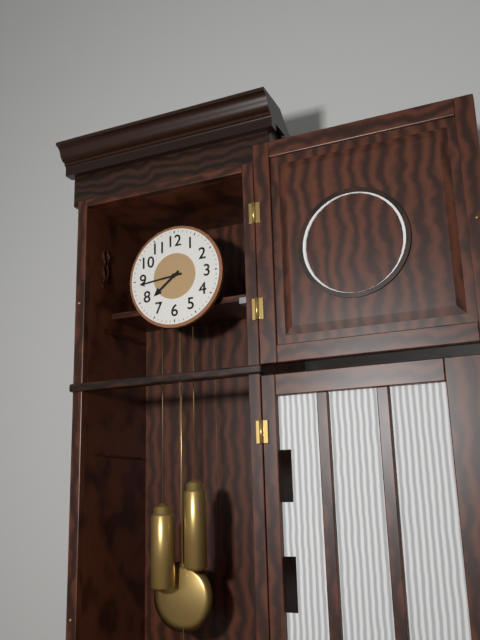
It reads 7 h 44 min
